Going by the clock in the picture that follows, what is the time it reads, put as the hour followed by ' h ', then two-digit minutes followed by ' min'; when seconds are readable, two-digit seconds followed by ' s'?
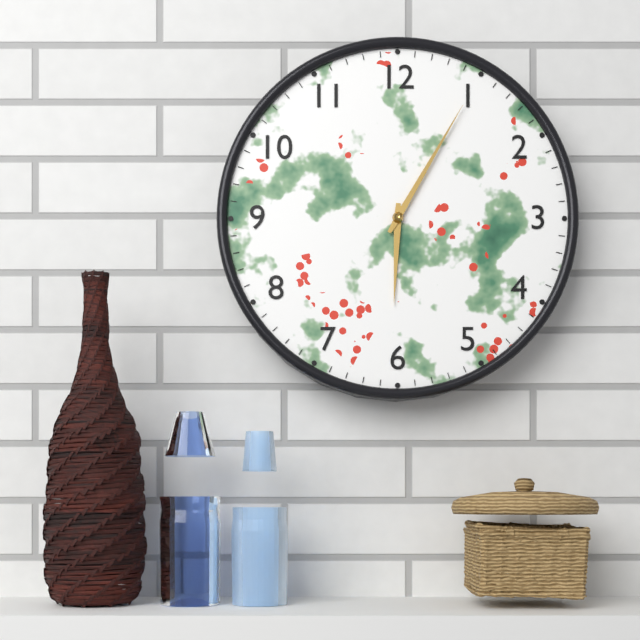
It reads 6 h 05 min
